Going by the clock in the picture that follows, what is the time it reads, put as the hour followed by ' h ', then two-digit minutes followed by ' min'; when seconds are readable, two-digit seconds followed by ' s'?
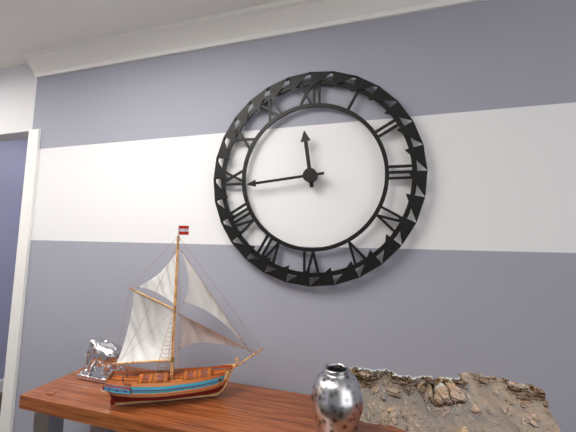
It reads 11 h 44 min
